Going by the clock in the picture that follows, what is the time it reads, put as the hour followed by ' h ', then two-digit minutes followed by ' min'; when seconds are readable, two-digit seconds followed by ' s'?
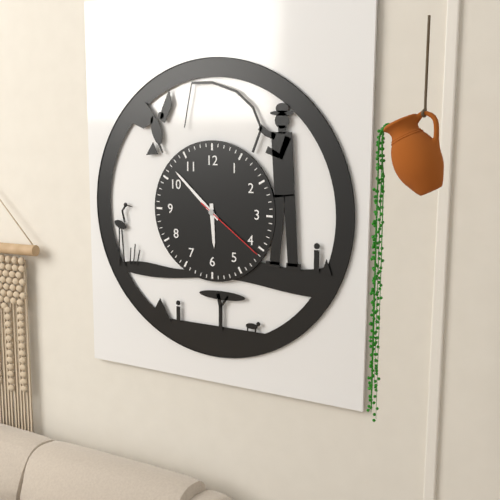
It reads 5 h 52 min 21 s
